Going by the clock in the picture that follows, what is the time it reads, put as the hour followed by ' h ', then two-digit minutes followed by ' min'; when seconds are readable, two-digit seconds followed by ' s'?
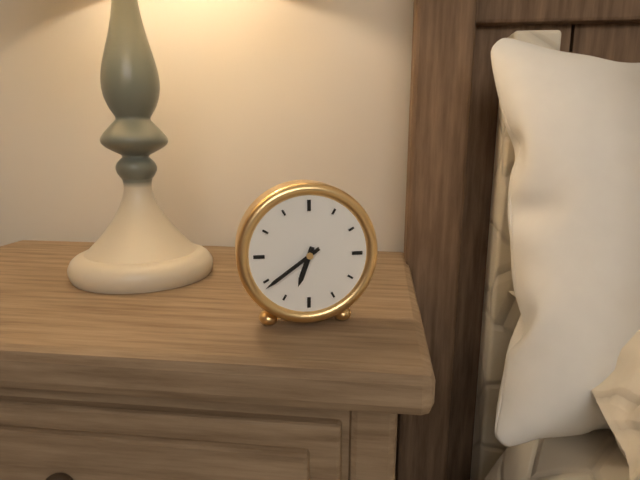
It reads 6 h 39 min
